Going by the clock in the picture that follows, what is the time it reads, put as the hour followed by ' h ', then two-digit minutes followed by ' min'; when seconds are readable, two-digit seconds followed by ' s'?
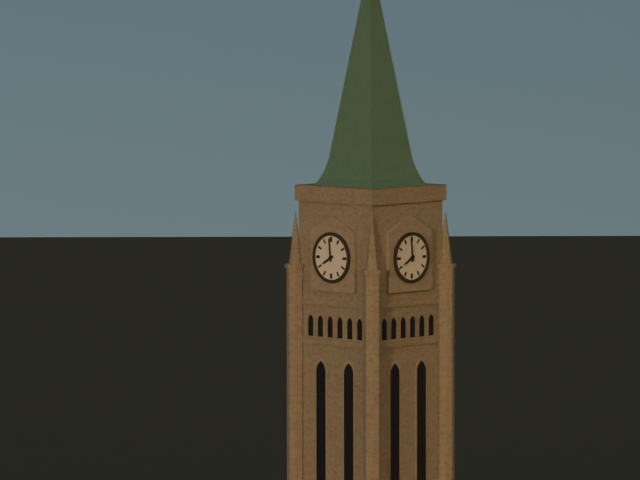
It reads 7 h 59 min
